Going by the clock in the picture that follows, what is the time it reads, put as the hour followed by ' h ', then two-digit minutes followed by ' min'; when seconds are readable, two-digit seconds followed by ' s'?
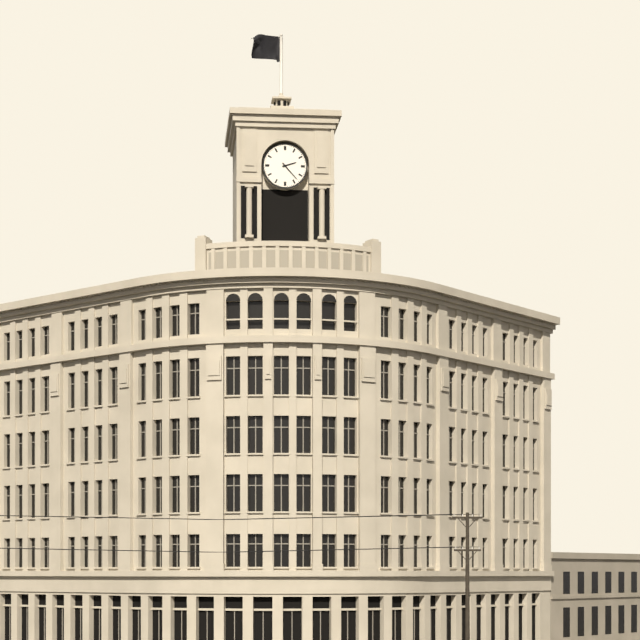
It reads 2 h 23 min
